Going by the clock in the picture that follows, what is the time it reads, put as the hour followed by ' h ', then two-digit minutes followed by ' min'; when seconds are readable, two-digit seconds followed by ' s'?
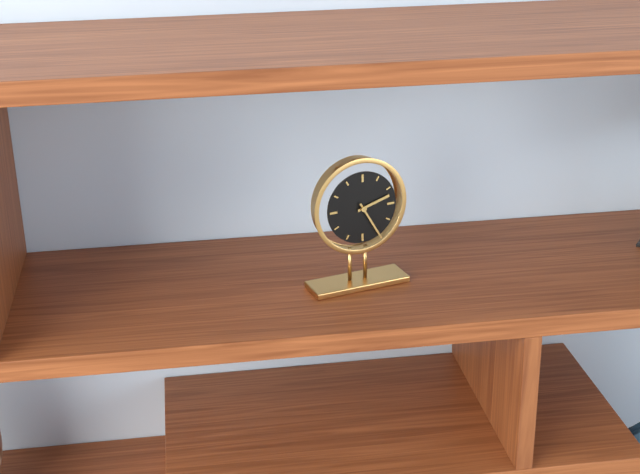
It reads 2 h 25 min
